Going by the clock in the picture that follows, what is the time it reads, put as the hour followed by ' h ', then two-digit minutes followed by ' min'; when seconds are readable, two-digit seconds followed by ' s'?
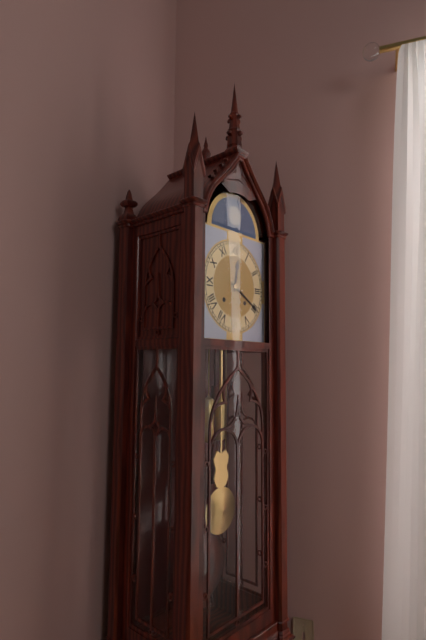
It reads 12 h 20 min
